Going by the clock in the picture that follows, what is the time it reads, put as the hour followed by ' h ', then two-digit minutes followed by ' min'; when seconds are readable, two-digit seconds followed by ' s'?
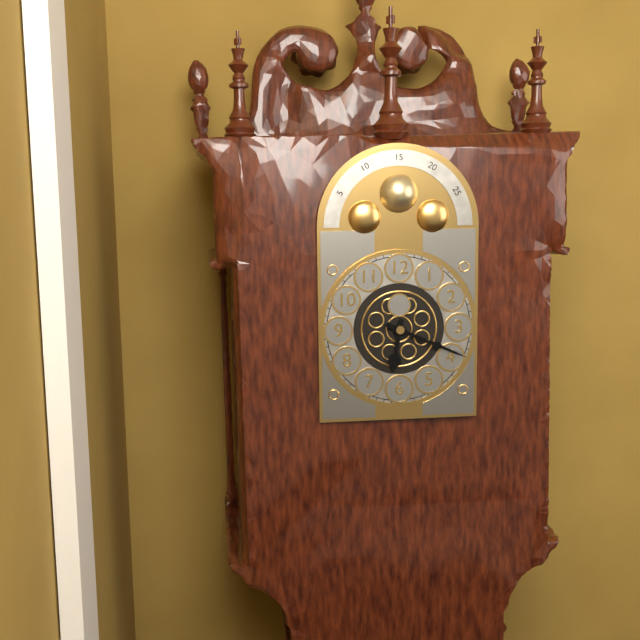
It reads 6 h 19 min
